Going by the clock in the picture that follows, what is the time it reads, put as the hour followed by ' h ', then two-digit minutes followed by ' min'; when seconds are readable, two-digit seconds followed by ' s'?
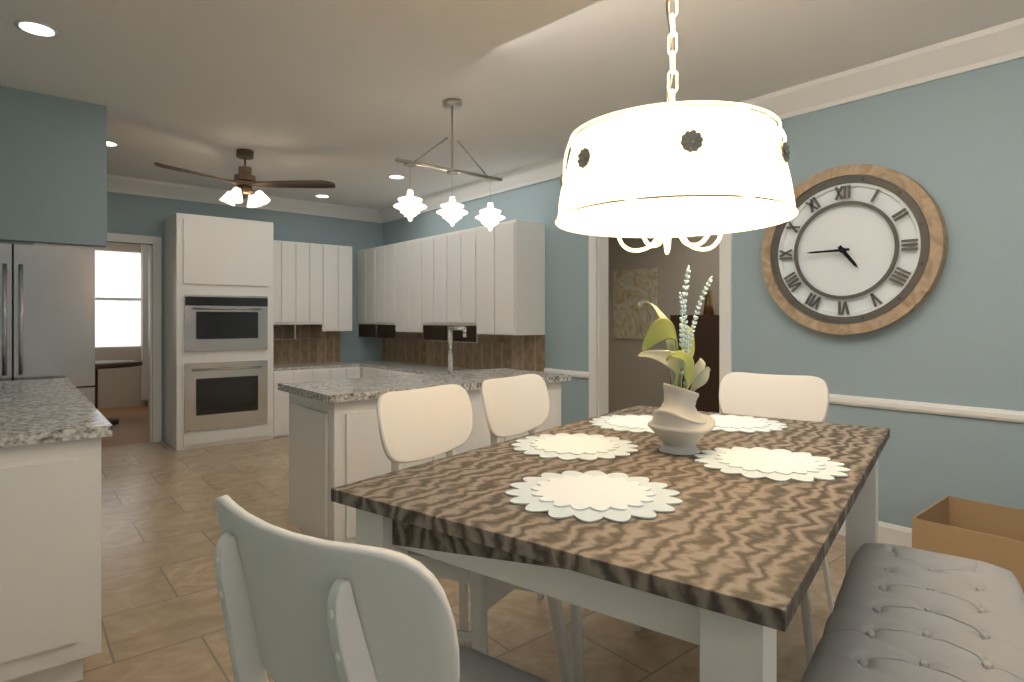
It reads 4 h 45 min
